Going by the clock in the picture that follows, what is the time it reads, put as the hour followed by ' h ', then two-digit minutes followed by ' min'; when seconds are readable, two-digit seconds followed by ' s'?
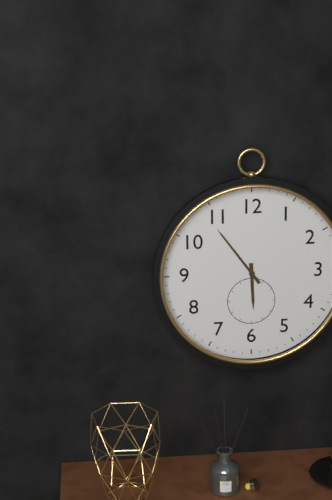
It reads 5 h 54 min
